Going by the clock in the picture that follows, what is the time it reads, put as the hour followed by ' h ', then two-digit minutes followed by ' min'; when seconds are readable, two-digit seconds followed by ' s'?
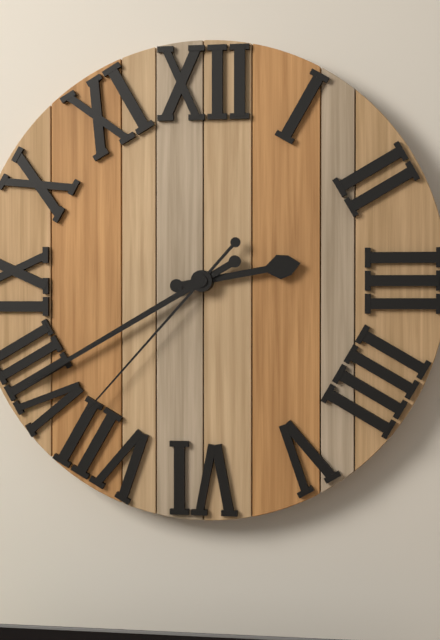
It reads 2 h 40 min 37 s
